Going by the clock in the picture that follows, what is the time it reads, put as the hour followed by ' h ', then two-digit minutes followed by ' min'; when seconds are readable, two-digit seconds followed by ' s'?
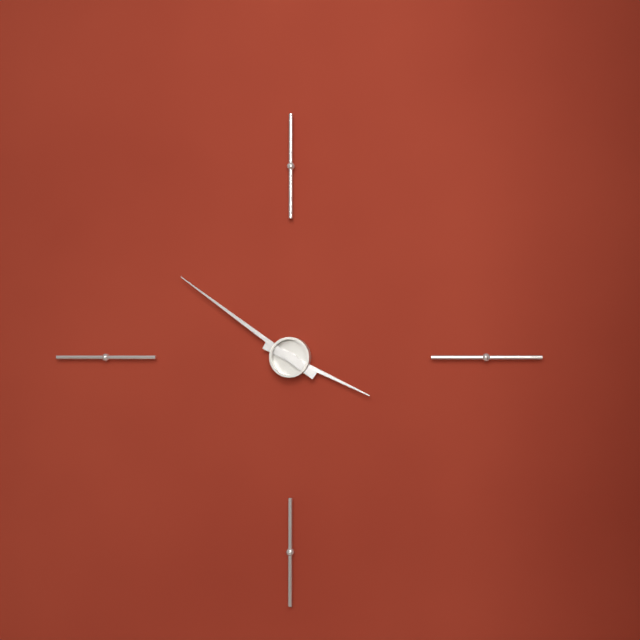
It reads 3 h 51 min
